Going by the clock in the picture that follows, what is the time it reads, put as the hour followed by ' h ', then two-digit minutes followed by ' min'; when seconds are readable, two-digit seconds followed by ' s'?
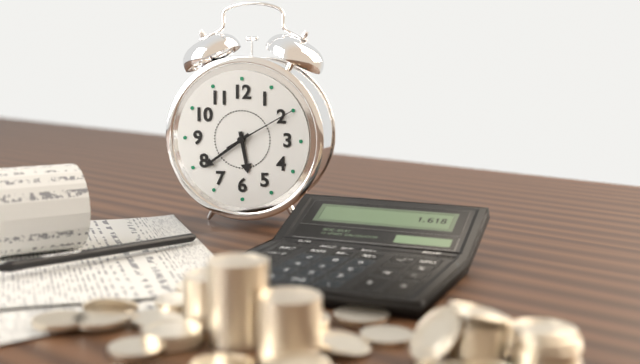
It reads 5 h 39 min 10 s
